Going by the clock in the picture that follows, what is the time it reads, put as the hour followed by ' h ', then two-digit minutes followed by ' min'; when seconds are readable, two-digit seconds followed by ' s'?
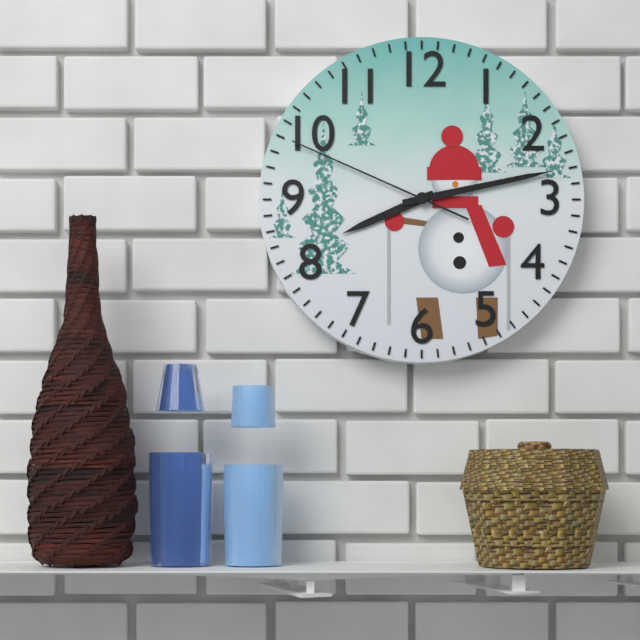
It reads 8 h 13 min 49 s
